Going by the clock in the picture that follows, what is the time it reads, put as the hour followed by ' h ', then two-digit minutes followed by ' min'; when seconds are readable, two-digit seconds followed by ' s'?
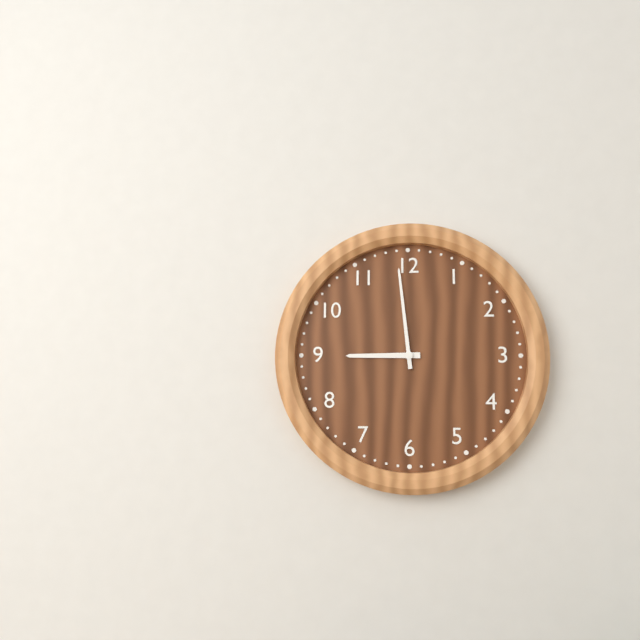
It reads 8 h 59 min
